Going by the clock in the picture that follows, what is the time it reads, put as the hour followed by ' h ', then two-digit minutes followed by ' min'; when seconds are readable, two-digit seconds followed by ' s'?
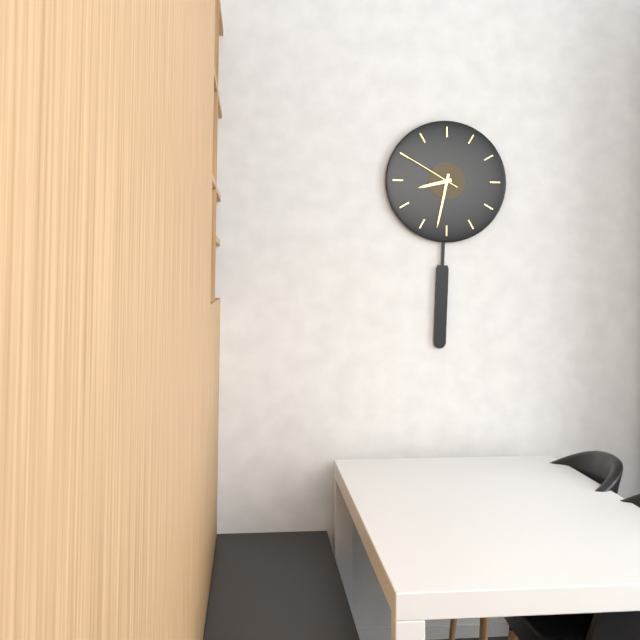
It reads 8 h 32 min 50 s
